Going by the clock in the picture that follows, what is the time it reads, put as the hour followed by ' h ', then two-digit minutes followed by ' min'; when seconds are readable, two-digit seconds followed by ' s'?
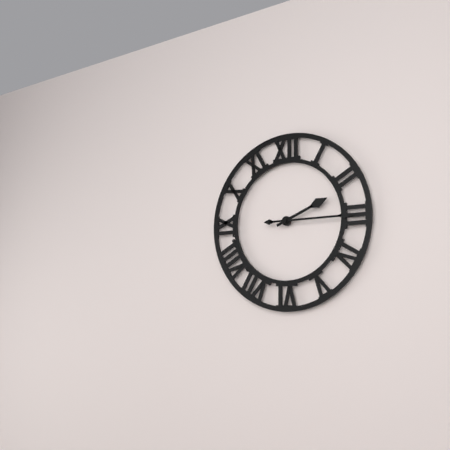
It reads 2 h 15 min
